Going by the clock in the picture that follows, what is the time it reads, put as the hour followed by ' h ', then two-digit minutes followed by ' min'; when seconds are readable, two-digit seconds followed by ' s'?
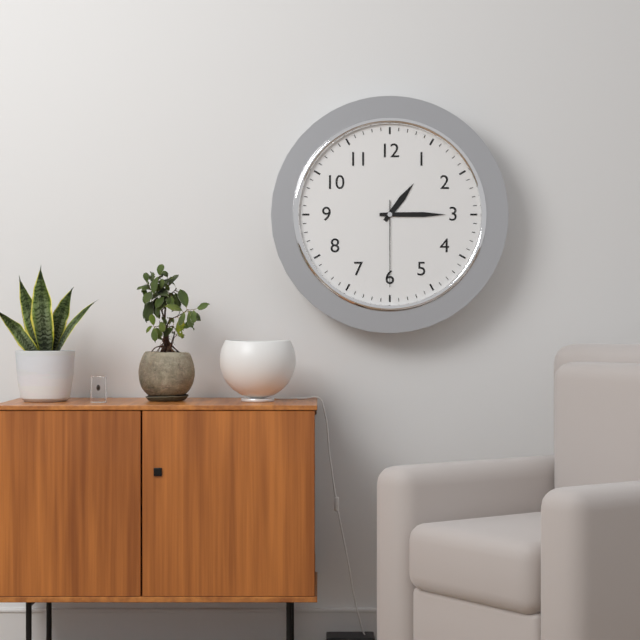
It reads 1 h 15 min 30 s
